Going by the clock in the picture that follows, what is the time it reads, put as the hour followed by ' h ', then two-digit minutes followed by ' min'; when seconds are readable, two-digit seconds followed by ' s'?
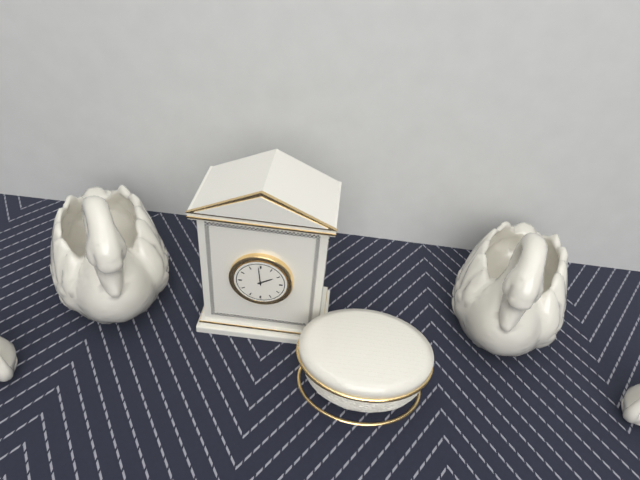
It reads 1 h 59 min
